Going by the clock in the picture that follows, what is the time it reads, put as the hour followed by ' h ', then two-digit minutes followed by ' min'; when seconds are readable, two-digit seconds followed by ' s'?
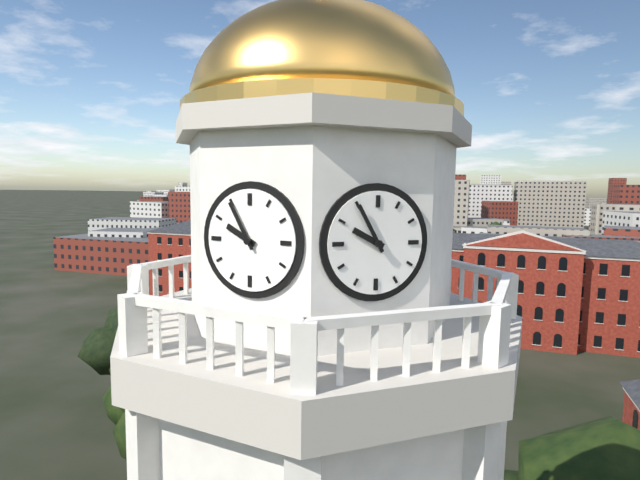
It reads 9 h 55 min
